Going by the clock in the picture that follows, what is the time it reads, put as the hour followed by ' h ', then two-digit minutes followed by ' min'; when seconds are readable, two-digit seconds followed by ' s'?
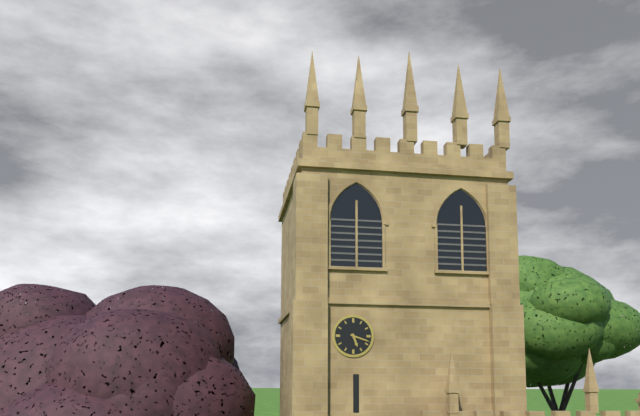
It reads 5 h 18 min
